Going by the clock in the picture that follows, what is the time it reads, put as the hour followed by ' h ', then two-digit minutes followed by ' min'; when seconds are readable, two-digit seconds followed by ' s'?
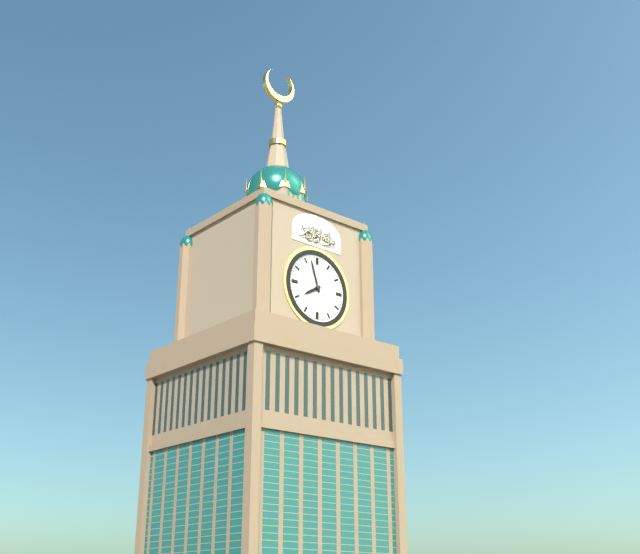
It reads 7 h 57 min
